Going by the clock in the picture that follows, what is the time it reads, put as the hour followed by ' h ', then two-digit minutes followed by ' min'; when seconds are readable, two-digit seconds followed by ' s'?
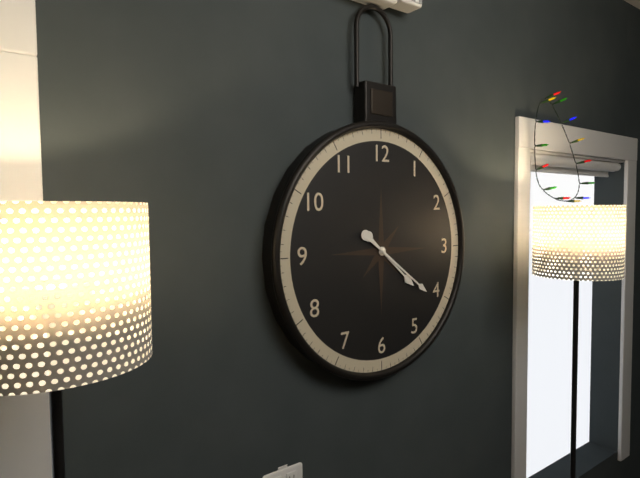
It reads 4 h 21 min
